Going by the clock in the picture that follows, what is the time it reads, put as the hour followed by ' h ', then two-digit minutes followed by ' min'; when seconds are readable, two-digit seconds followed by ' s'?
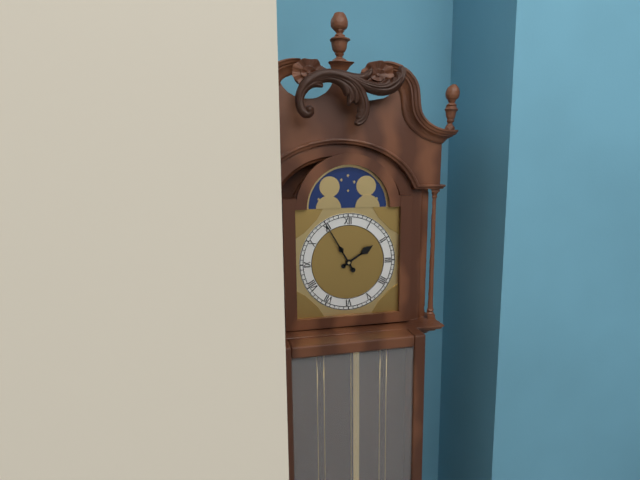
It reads 1 h 55 min
